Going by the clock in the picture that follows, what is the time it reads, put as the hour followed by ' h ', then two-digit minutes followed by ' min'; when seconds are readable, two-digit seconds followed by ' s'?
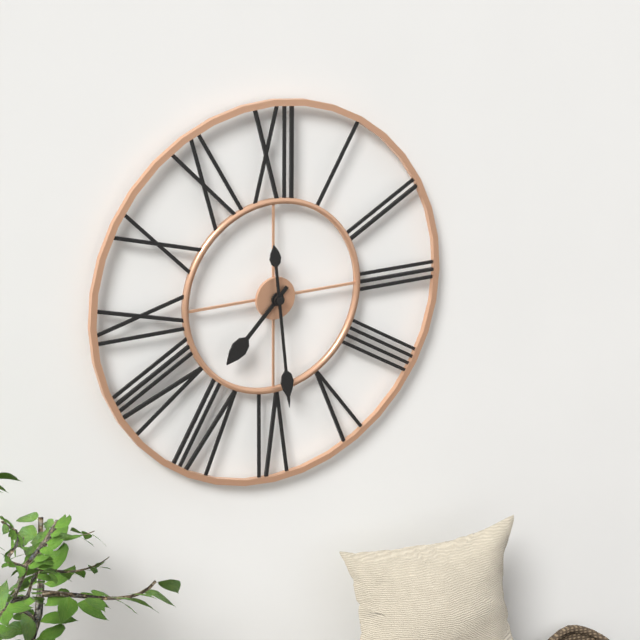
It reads 7 h 29 min
